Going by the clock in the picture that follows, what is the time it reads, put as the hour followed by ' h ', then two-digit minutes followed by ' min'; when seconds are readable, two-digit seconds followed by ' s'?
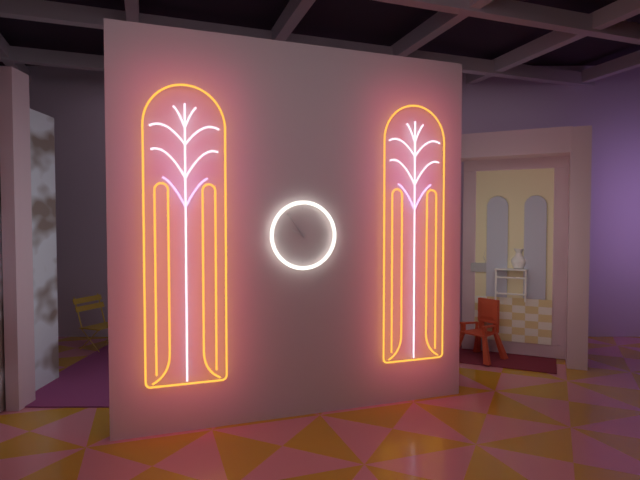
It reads 9 h 54 min
